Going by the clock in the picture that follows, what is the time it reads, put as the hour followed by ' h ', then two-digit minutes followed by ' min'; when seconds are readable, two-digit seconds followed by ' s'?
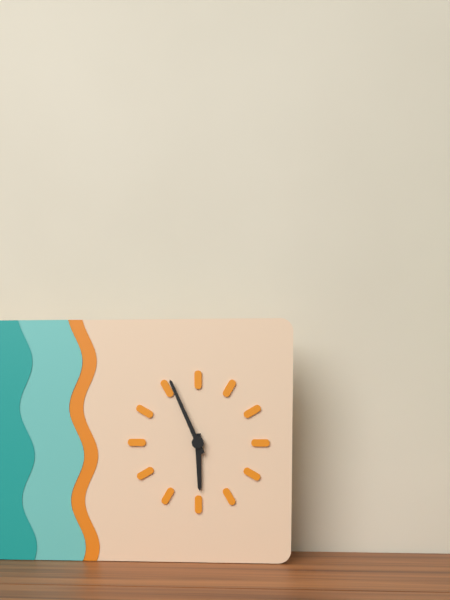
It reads 5 h 56 min
